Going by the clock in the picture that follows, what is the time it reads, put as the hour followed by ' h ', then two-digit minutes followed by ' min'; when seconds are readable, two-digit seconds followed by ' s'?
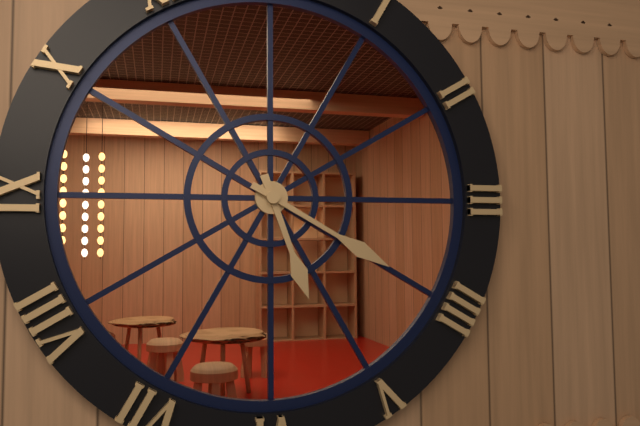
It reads 5 h 20 min
